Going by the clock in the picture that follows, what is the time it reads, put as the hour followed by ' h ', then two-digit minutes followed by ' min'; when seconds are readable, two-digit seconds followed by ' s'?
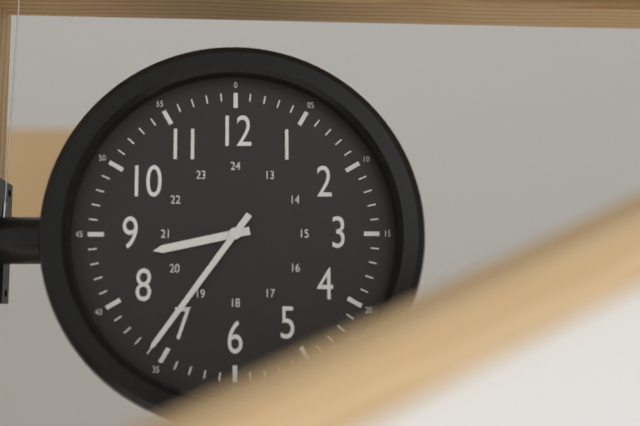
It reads 8 h 36 min
